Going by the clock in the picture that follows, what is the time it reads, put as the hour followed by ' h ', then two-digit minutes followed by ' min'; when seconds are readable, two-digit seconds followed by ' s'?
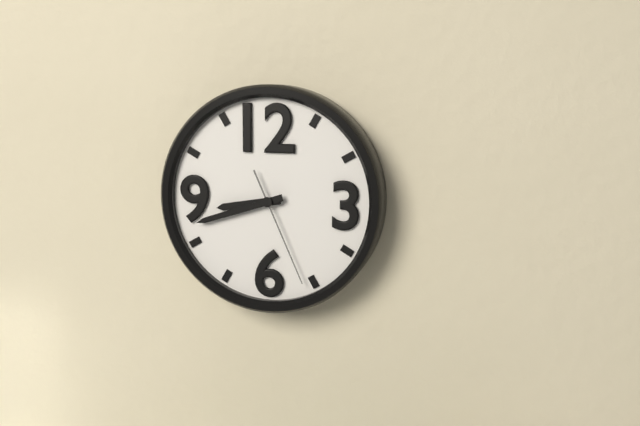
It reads 8 h 42 min 26 s
